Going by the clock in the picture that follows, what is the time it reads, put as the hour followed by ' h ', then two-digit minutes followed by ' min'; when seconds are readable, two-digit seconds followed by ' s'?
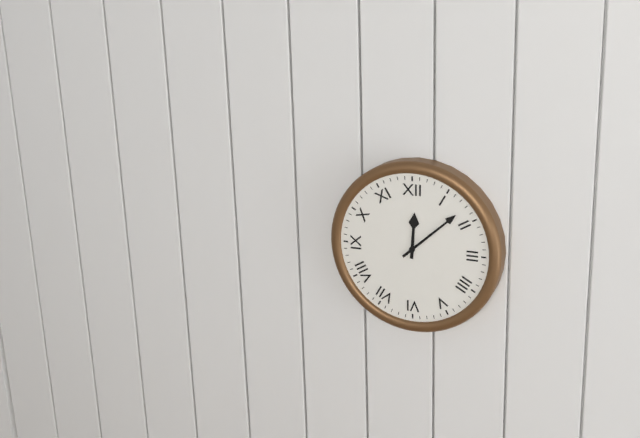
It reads 12 h 08 min
